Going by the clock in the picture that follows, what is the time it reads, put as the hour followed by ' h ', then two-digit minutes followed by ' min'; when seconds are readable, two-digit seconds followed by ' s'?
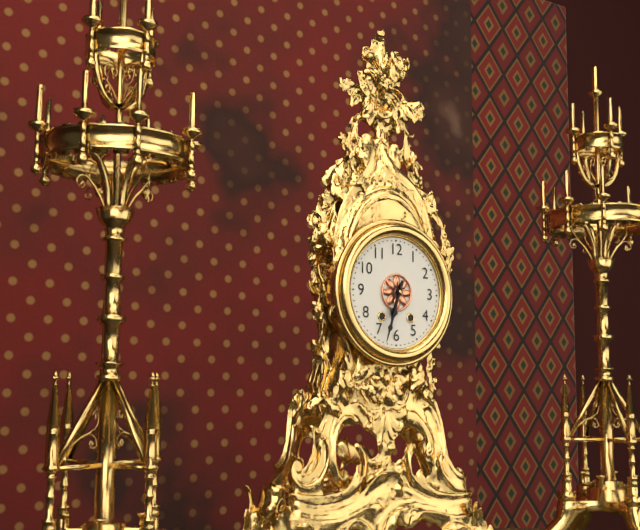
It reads 6 h 33 min
